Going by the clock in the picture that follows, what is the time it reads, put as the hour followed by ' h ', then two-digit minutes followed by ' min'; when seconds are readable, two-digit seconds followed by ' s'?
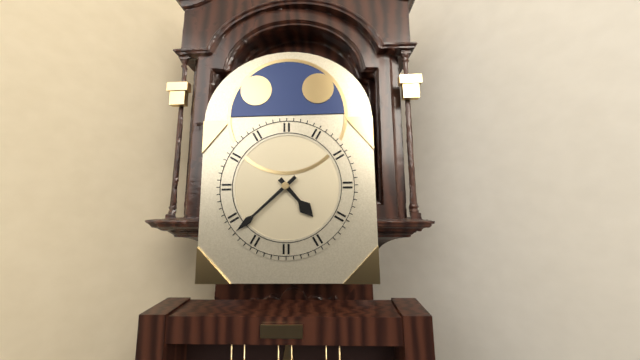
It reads 4 h 38 min
